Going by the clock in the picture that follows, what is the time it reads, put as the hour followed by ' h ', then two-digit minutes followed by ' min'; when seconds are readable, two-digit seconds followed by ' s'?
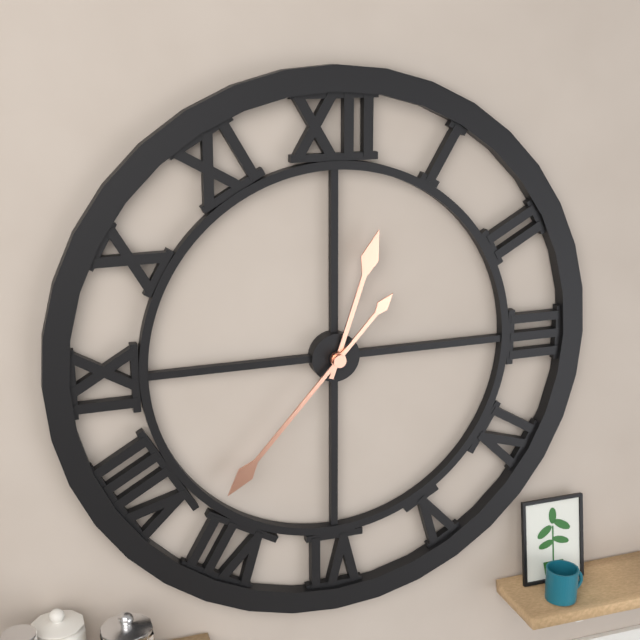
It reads 12 h 37 min
